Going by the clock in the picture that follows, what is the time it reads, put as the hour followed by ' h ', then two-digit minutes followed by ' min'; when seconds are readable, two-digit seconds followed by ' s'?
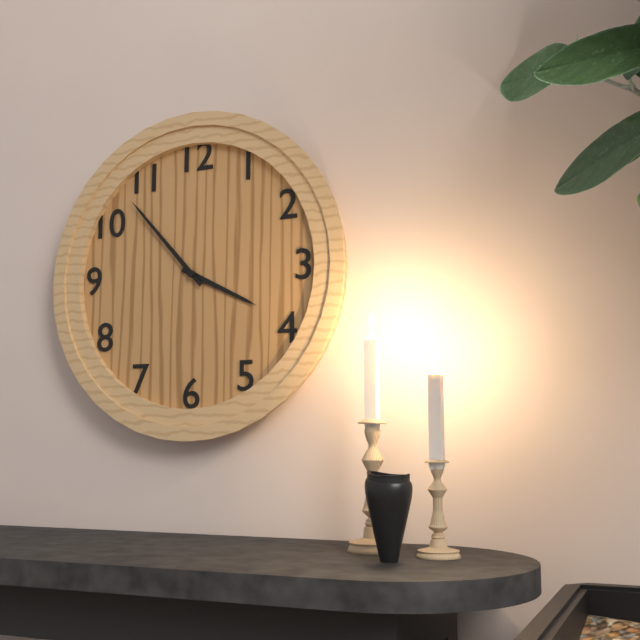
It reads 3 h 53 min
